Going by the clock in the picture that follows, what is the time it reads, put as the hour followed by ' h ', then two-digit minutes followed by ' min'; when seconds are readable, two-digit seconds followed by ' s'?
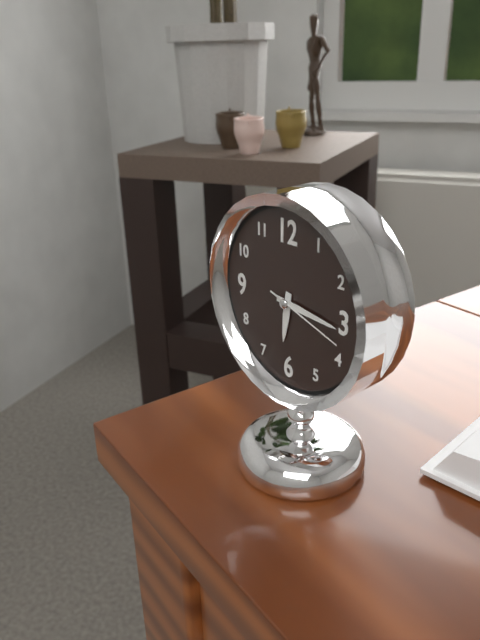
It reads 6 h 16 min 18 s
